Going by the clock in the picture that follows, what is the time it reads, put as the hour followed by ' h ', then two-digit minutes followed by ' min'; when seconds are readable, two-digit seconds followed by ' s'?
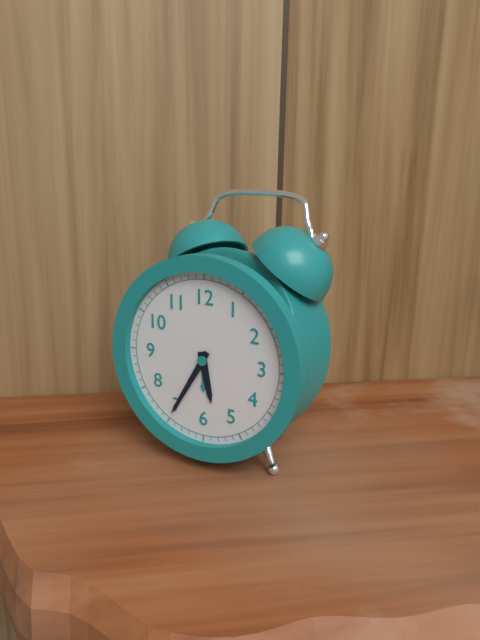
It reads 5 h 35 min
